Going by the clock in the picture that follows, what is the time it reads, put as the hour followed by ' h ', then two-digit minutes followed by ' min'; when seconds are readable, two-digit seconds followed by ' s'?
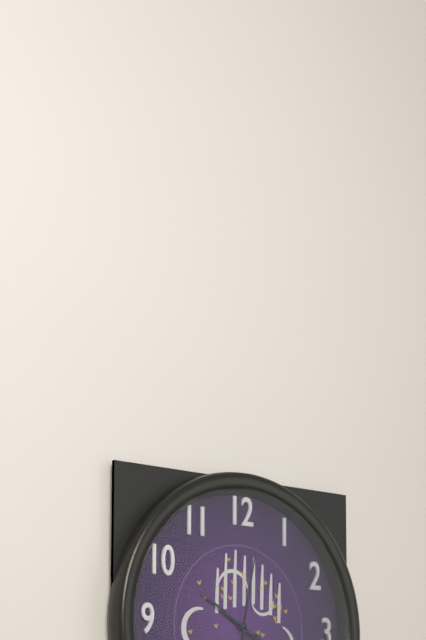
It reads 10 h 02 min
